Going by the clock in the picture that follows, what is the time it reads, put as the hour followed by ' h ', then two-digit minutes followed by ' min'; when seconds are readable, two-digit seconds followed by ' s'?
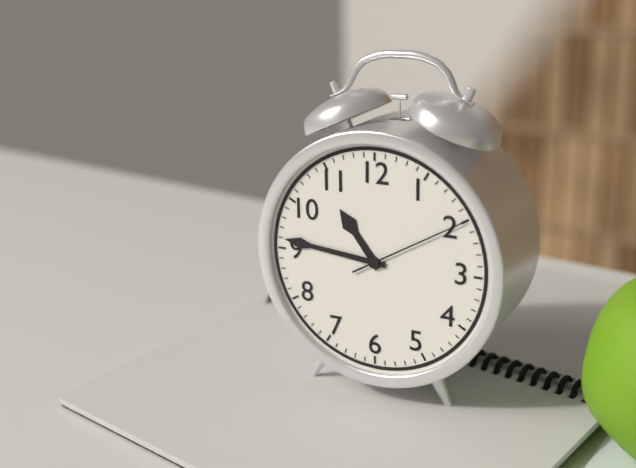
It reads 10 h 46 min 10 s
